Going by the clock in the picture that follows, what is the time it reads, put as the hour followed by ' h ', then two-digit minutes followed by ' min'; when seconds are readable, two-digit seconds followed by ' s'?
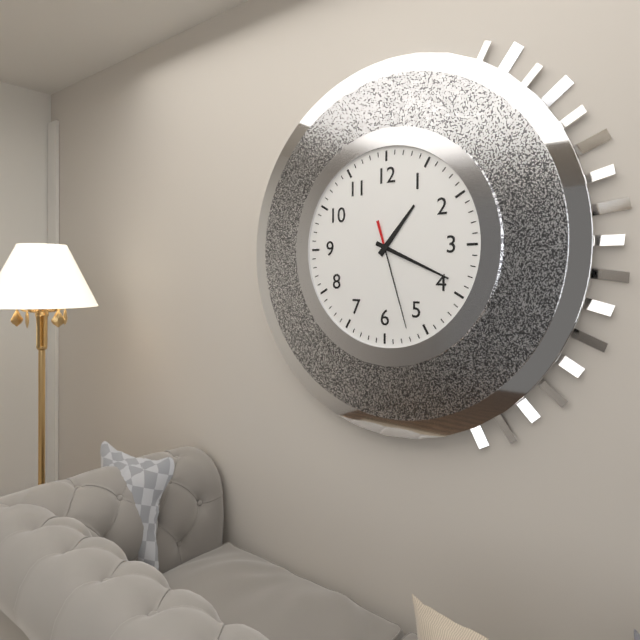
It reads 1 h 19 min 27 s
